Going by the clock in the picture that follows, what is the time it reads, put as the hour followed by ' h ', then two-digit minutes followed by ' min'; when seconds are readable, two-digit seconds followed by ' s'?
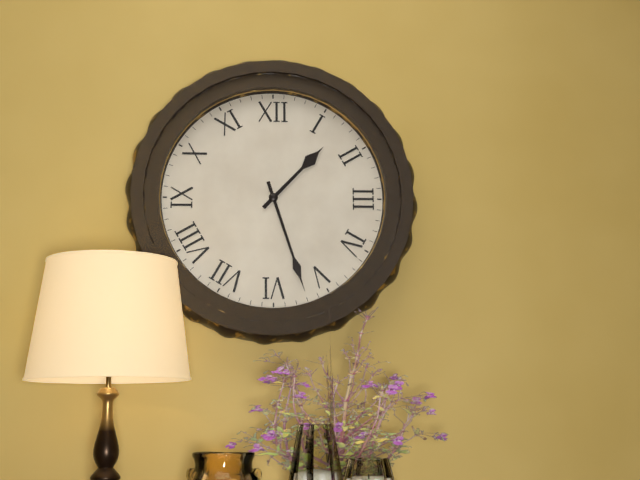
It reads 1 h 27 min
